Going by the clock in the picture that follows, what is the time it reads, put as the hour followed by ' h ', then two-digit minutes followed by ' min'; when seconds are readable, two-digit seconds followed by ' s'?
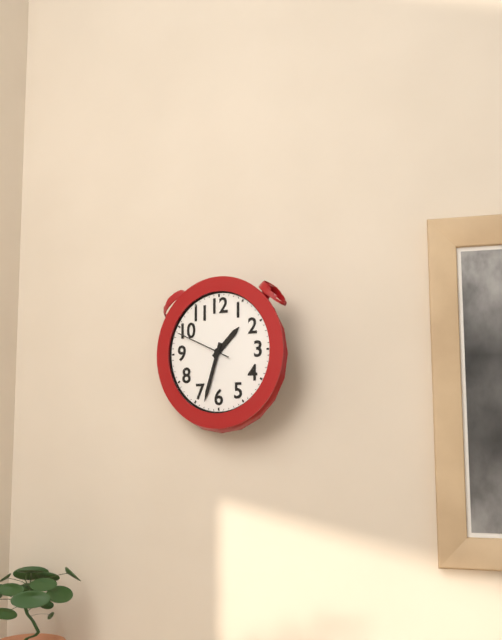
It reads 1 h 33 min 49 s
